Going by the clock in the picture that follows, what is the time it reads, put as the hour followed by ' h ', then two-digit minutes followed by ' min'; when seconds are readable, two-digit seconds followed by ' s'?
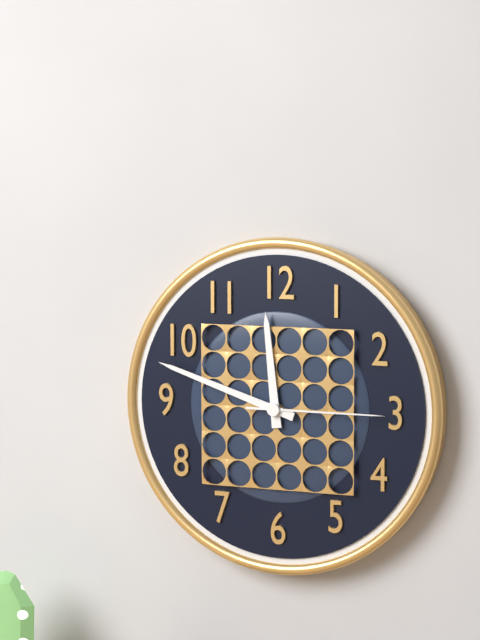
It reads 11 h 48 min 15 s
